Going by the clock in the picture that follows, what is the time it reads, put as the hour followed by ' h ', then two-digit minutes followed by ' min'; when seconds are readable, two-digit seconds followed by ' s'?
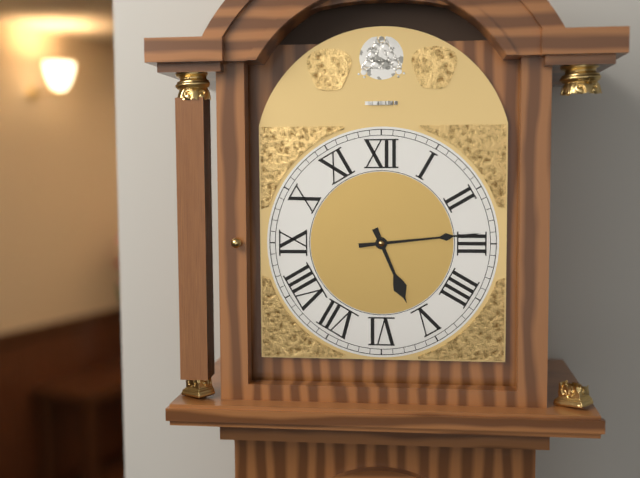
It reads 5 h 14 min
